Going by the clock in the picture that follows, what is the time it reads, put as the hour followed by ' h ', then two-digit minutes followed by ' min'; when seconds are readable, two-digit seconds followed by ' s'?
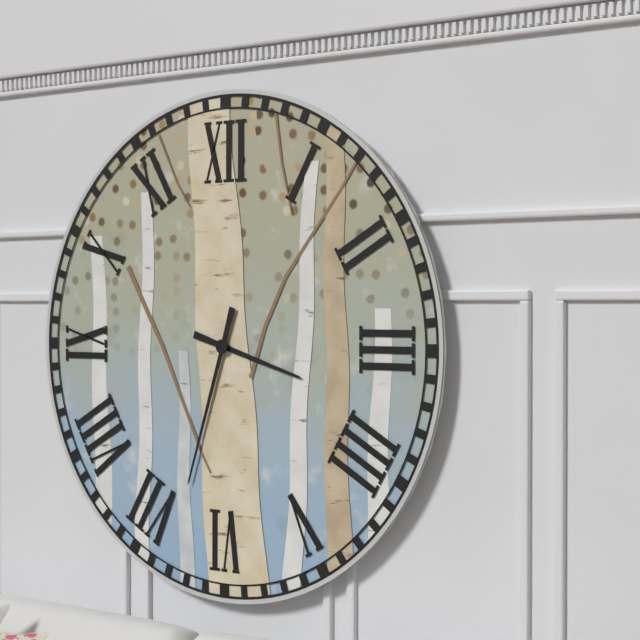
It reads 3 h 33 min
